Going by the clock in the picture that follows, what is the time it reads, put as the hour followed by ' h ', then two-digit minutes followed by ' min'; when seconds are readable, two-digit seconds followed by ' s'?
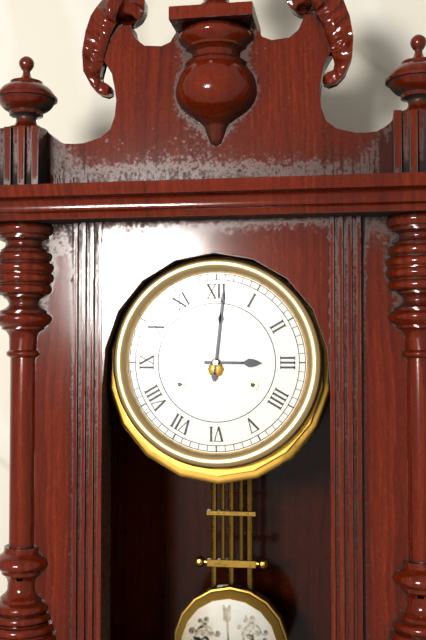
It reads 3 h 01 min
